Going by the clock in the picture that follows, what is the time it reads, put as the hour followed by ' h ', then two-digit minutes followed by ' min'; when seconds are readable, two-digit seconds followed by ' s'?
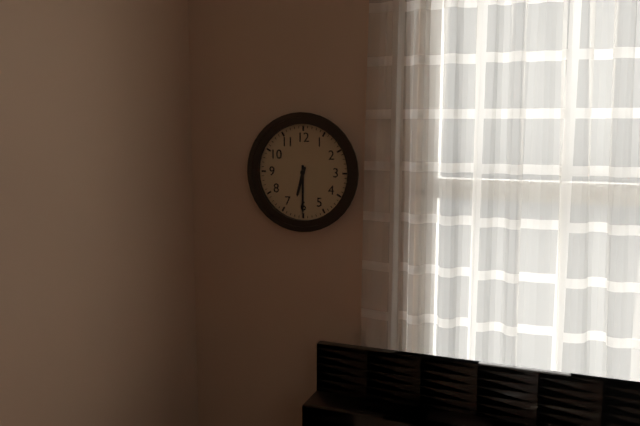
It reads 6 h 30 min
